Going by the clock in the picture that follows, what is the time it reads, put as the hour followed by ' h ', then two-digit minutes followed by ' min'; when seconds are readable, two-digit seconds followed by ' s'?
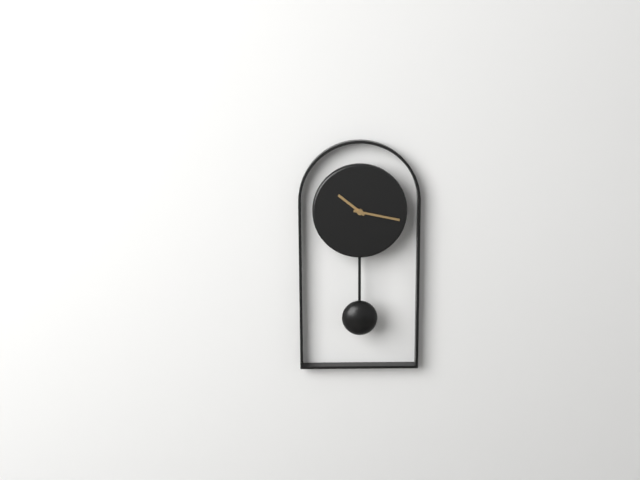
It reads 10 h 17 min
